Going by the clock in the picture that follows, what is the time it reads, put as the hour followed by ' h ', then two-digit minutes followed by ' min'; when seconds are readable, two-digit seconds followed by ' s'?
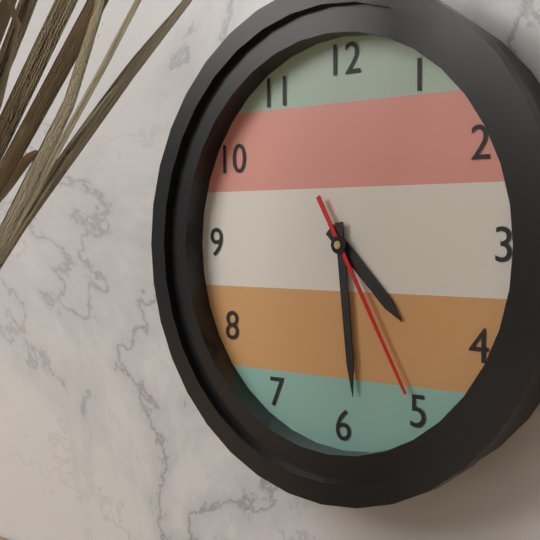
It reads 4 h 29 min 25 s
